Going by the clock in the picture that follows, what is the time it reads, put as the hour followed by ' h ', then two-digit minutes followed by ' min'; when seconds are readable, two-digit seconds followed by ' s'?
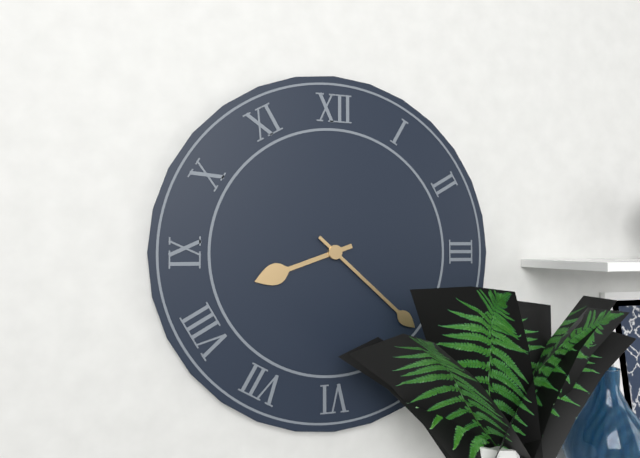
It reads 8 h 22 min
